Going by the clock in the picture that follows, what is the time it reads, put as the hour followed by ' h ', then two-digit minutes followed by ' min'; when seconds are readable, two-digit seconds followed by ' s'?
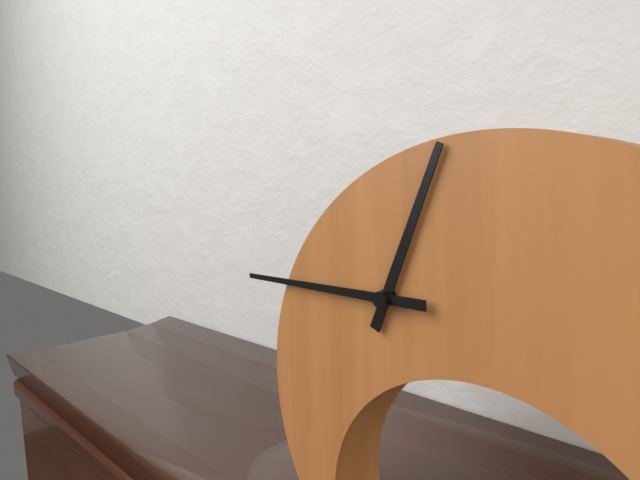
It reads 12 h 45 min
